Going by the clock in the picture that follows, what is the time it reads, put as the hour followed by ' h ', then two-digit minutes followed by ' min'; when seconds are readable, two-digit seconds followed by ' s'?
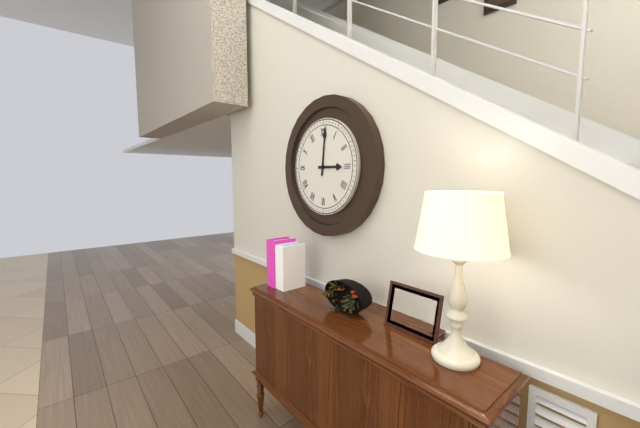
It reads 3 h 01 min
